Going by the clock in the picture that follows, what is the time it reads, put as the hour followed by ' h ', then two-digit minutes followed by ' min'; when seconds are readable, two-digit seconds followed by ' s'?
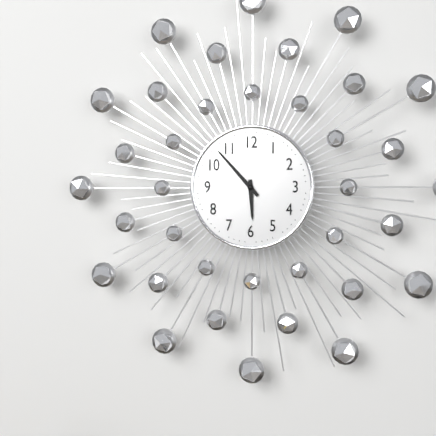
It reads 5 h 53 min
